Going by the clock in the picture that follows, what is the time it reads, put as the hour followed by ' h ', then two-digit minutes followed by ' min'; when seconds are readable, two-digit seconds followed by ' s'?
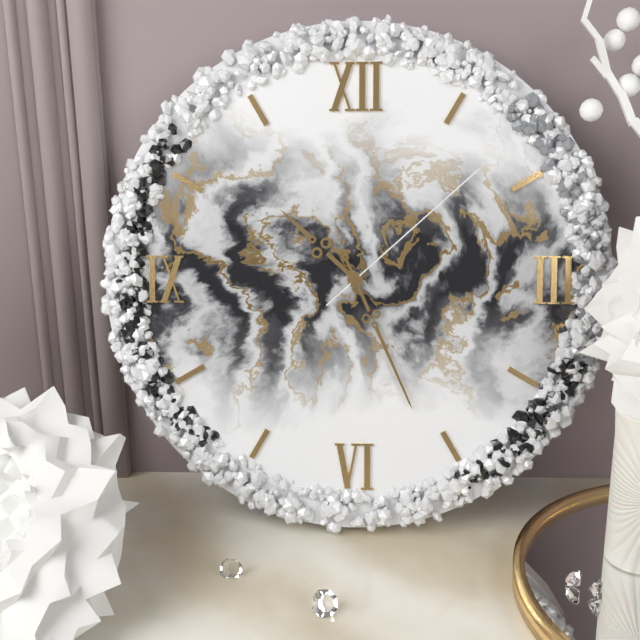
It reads 10 h 26 min 08 s
